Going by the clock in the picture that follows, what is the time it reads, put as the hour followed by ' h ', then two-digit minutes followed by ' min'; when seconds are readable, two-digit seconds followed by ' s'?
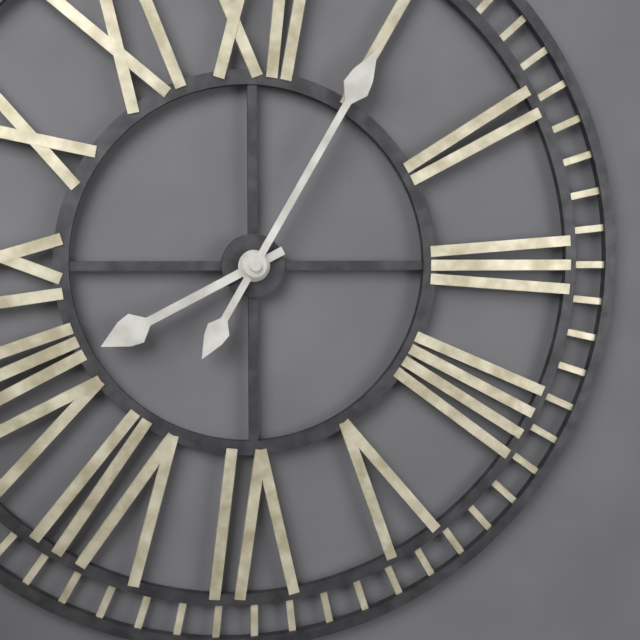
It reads 8 h 05 min
